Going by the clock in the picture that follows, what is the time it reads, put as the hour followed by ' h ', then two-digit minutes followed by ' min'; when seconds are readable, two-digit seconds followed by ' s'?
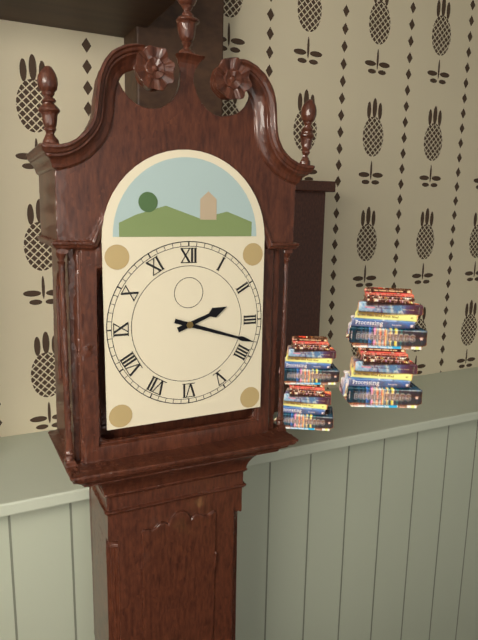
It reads 2 h 18 min
